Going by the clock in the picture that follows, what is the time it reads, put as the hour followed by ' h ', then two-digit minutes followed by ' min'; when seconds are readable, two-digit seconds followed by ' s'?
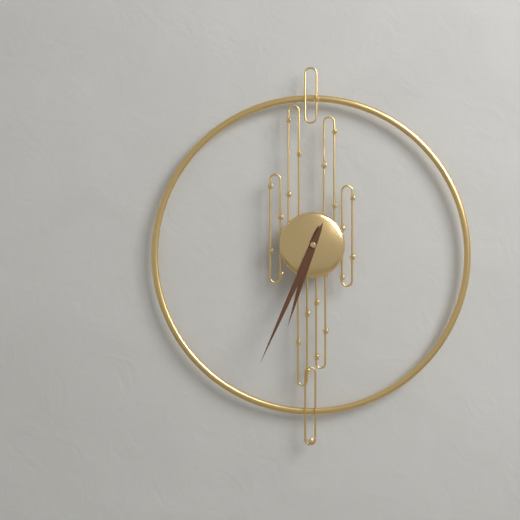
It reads 6 h 34 min
